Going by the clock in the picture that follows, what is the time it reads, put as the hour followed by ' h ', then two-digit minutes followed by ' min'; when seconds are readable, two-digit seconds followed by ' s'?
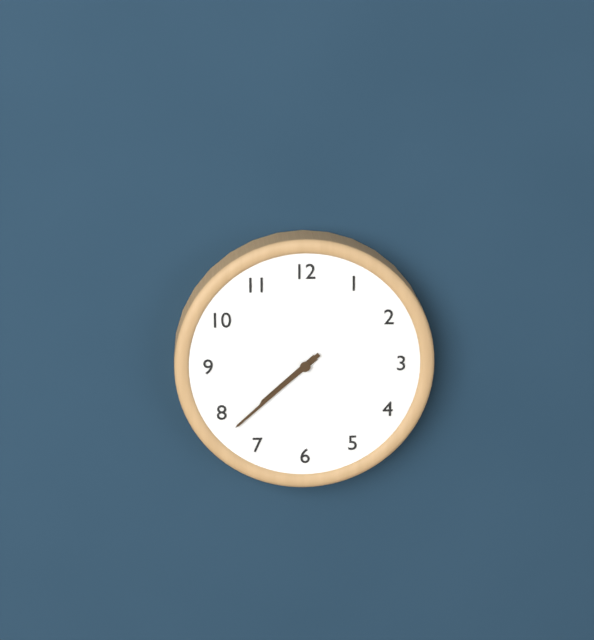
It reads 7 h 38 min
